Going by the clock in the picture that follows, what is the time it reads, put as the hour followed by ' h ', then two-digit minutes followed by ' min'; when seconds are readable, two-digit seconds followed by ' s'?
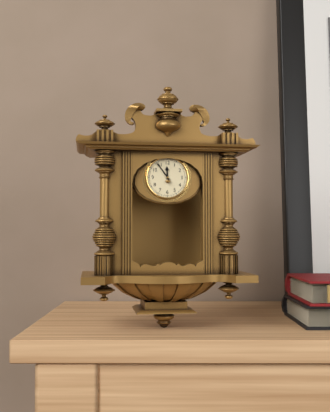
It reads 11 h 54 min
